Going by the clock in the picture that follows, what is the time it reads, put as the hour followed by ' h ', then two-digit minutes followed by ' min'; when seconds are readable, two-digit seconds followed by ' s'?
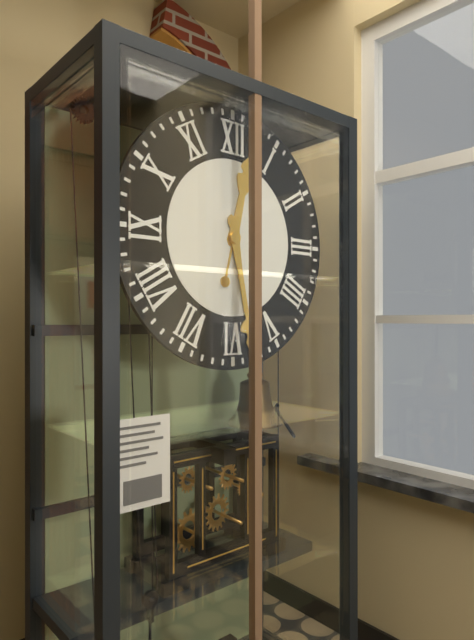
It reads 12 h 28 min
